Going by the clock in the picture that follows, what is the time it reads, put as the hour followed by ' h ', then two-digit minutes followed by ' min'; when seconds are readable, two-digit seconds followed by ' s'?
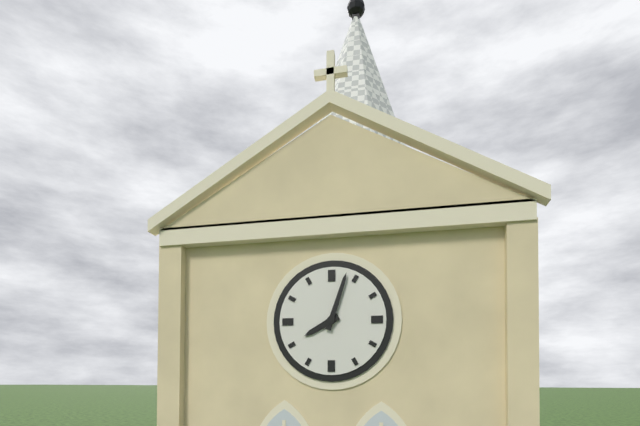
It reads 8 h 03 min
